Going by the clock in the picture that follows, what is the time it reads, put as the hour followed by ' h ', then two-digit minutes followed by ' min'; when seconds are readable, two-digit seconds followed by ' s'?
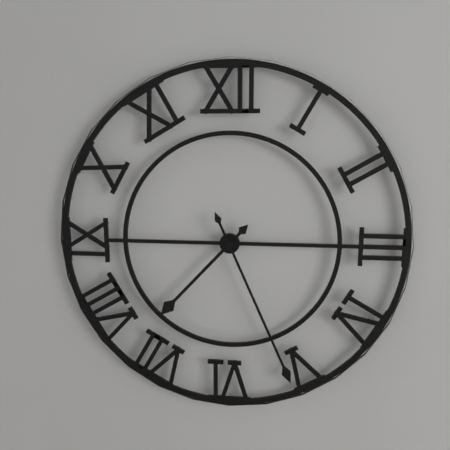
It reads 7 h 26 min
